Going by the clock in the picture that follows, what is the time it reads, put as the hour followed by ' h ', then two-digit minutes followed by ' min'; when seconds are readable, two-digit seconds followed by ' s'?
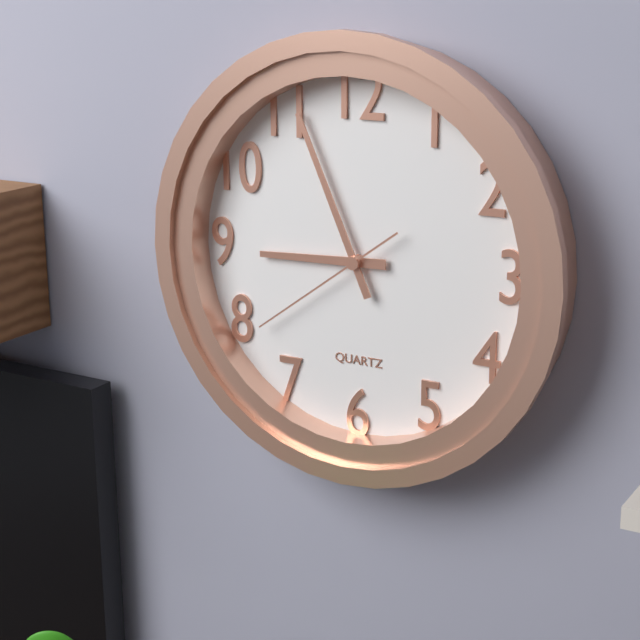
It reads 8 h 56 min 39 s
